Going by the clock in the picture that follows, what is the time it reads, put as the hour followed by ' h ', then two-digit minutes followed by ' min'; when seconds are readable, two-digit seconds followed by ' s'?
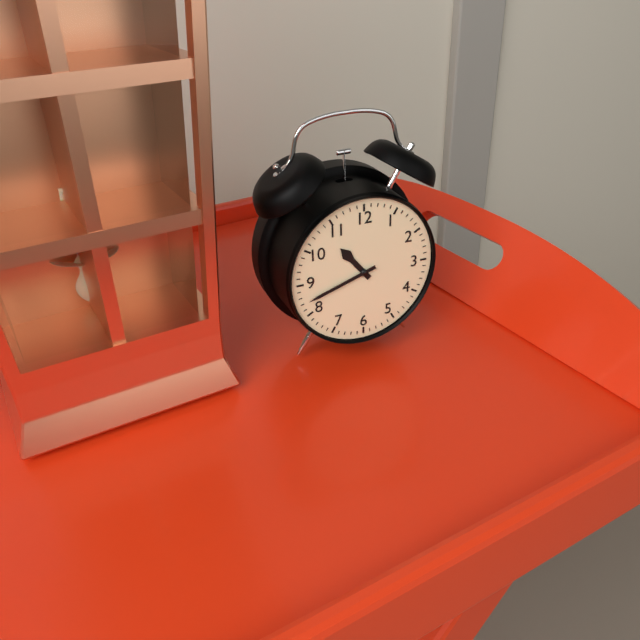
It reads 10 h 42 min
